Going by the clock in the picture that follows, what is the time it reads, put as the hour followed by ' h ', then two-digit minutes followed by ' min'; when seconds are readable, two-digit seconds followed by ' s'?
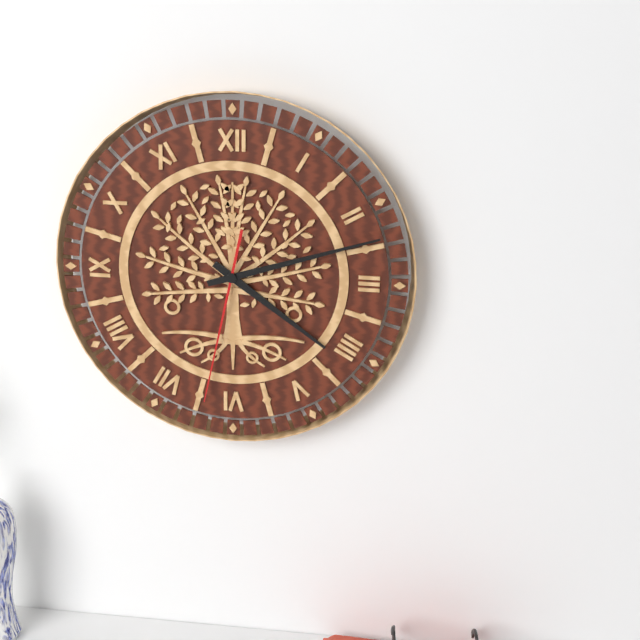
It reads 4 h 12 min 32 s
